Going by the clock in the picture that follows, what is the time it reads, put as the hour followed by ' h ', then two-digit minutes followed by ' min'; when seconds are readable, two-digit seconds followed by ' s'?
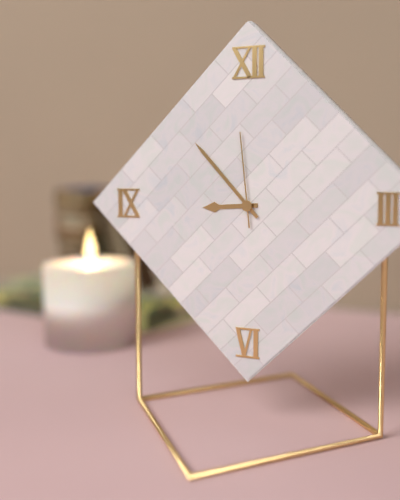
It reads 8 h 53 min 59 s
